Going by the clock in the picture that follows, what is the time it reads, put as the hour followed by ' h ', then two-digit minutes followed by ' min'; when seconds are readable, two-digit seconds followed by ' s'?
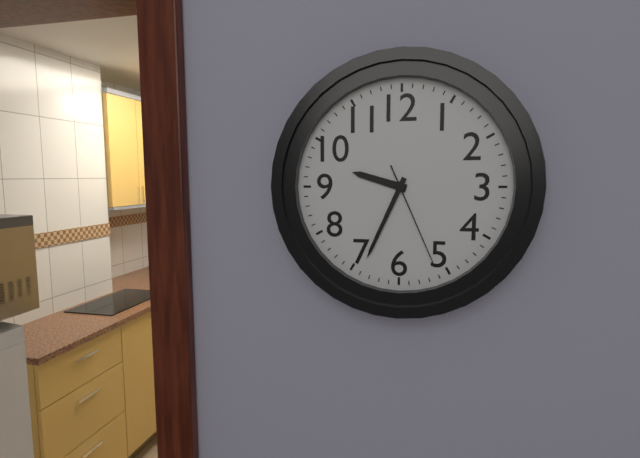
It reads 9 h 34 min 26 s
